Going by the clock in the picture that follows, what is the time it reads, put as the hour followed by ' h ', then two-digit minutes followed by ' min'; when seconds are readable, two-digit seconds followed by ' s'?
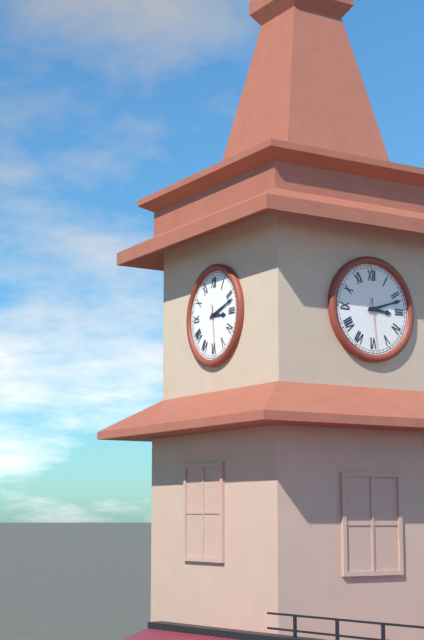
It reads 3 h 12 min
